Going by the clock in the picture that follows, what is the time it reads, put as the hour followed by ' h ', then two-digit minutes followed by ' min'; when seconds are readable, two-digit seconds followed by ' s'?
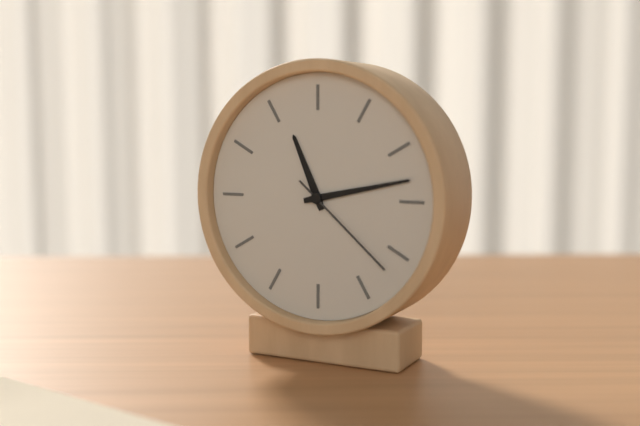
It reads 11 h 13 min 22 s
